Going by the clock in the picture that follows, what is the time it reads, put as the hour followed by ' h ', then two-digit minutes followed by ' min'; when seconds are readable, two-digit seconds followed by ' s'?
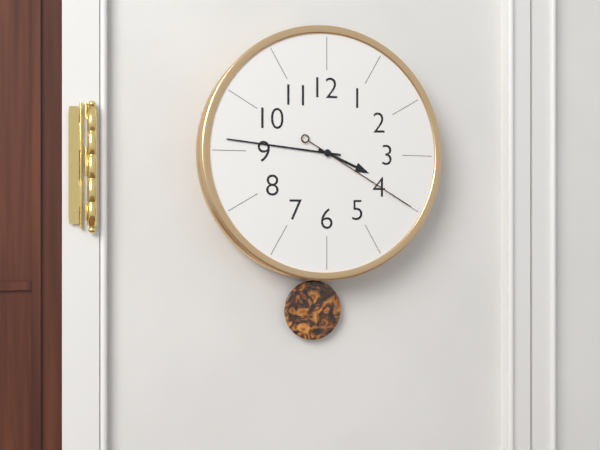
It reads 3 h 46 min 20 s
